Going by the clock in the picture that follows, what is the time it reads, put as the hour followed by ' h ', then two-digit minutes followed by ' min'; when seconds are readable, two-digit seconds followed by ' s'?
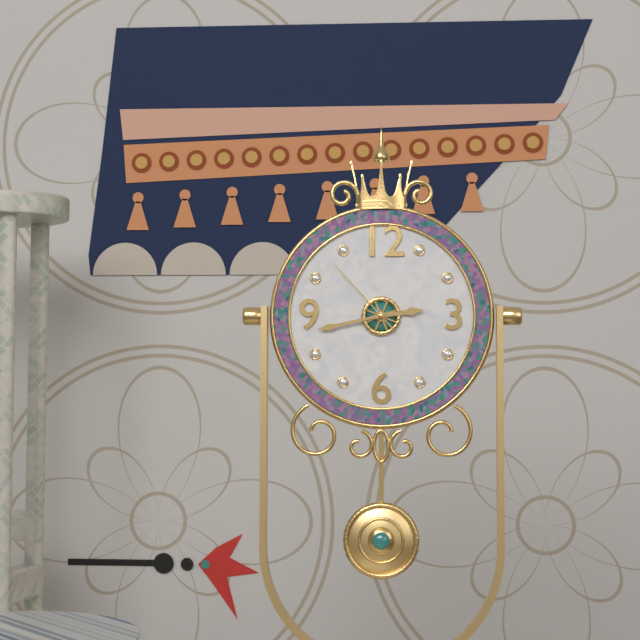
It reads 2 h 43 min 53 s
